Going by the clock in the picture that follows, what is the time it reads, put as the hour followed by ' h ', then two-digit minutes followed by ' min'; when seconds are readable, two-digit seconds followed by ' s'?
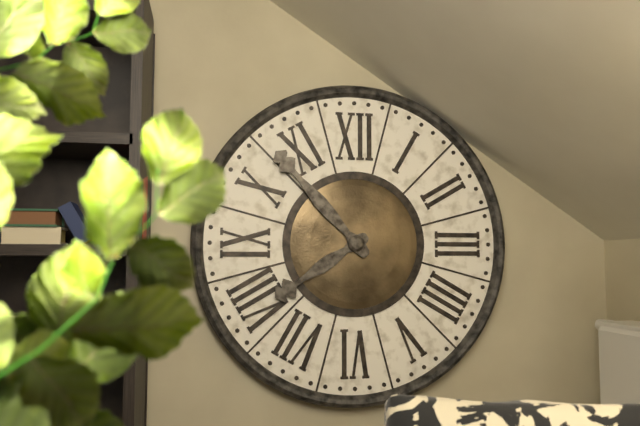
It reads 7 h 53 min
